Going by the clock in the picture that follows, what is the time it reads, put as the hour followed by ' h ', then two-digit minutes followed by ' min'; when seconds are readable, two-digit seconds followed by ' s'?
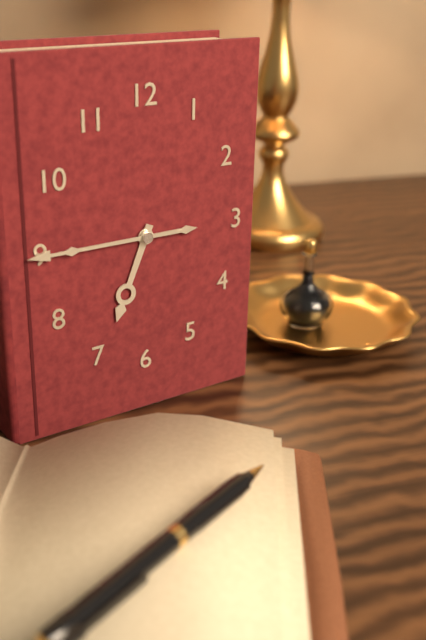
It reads 6 h 45 min
